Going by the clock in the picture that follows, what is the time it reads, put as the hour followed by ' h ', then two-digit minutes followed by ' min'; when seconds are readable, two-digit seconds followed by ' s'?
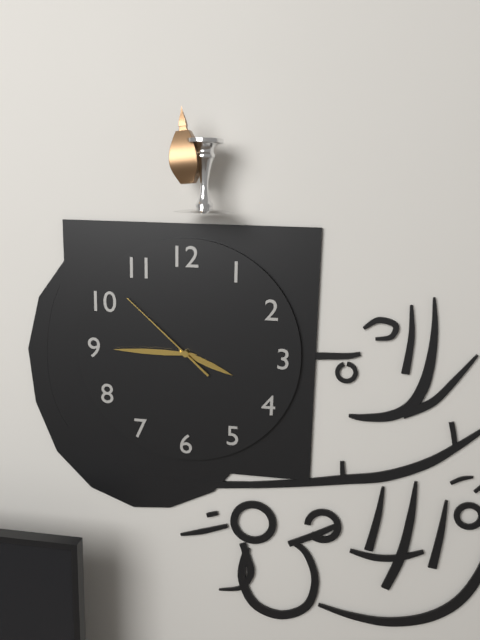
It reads 3 h 45 min 52 s
